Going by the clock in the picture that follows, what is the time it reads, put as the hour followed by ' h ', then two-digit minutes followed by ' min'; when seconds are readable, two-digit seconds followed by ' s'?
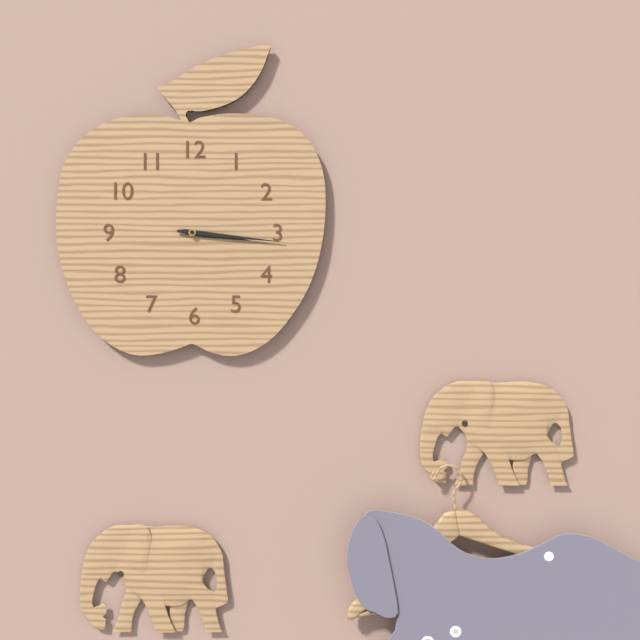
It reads 3 h 16 min
